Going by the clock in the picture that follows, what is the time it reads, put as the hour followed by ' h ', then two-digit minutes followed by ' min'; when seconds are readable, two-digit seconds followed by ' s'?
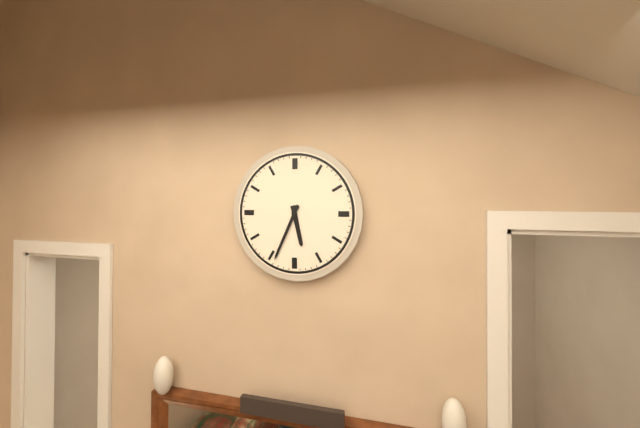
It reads 5 h 34 min
